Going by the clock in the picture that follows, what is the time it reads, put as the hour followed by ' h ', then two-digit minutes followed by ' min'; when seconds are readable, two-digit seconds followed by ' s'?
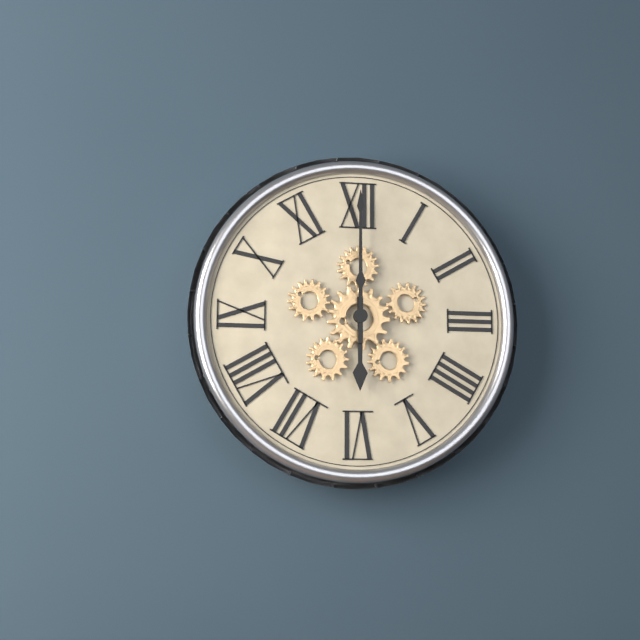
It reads 6 h 00 min
